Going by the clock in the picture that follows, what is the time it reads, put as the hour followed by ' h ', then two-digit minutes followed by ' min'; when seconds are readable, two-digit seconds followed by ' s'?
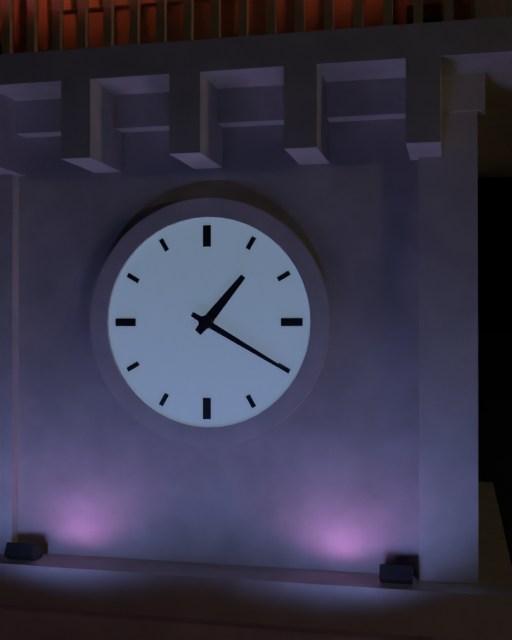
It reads 1 h 20 min
